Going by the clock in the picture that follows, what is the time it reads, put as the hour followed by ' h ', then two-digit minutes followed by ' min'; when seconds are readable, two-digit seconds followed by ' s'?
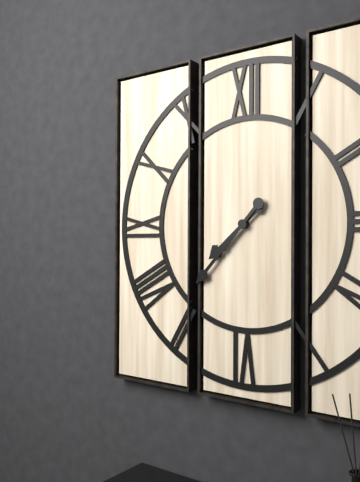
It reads 7 h 37 min
